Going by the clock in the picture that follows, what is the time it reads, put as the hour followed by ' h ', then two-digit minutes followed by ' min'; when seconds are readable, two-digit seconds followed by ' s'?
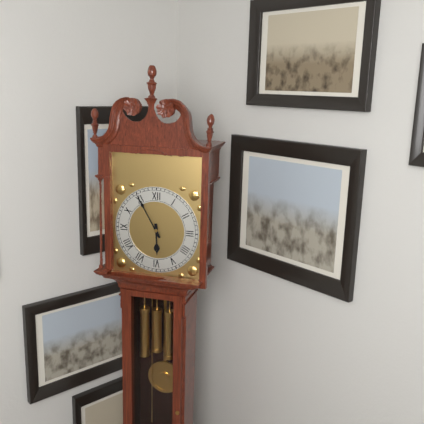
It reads 5 h 55 min
